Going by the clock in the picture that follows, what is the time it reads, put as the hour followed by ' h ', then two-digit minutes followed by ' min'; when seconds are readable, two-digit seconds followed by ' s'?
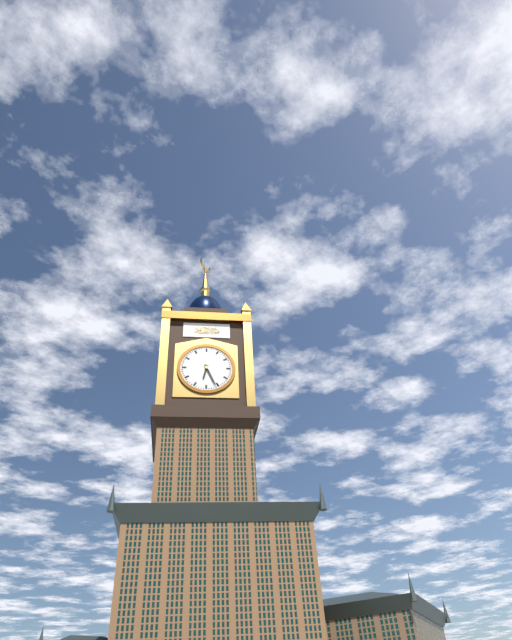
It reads 6 h 26 min
